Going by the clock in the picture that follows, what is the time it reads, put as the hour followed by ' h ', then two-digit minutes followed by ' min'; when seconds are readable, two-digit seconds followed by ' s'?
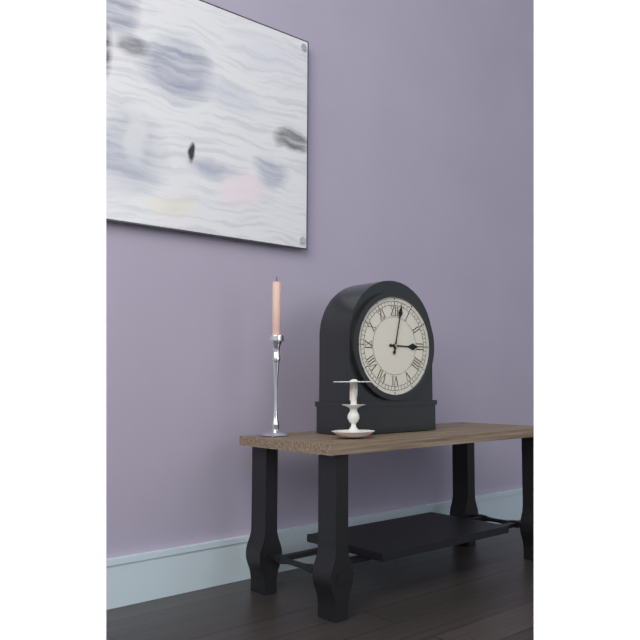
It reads 3 h 02 min
